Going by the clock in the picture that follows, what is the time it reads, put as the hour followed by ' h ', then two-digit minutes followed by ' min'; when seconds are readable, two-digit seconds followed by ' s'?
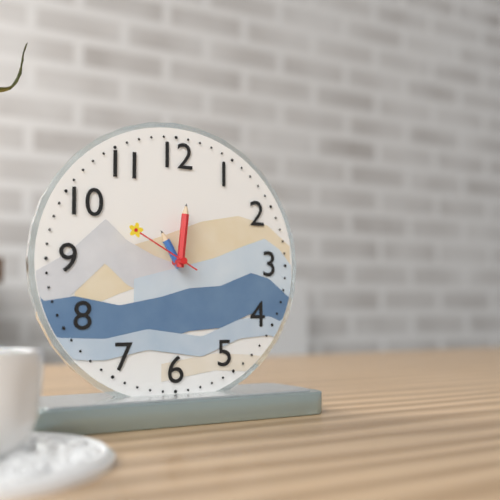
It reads 11 h 01 min 50 s
